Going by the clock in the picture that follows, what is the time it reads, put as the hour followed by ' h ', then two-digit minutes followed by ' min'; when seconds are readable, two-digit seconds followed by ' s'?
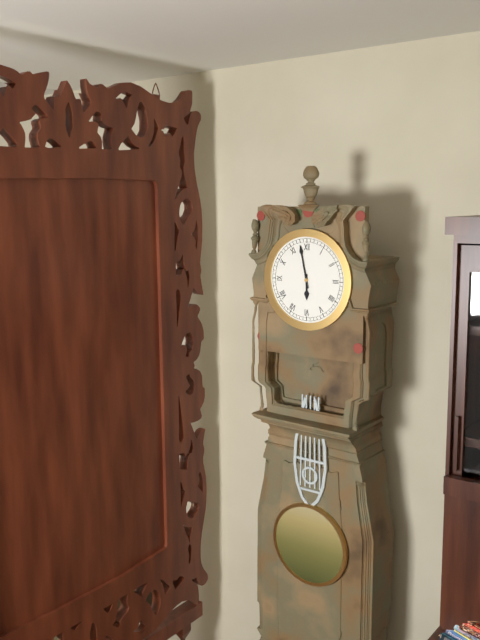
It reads 5 h 58 min
